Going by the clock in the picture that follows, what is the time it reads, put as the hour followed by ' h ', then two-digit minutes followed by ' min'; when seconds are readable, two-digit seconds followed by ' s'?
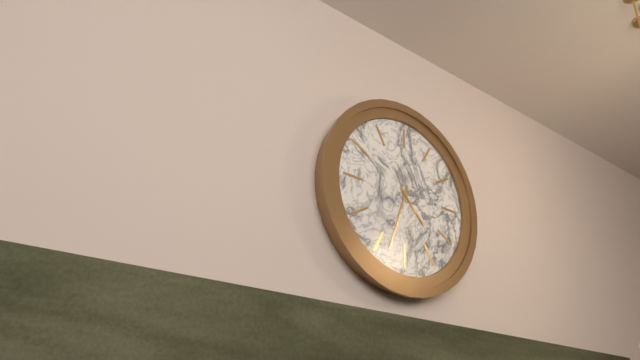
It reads 4 h 33 min
